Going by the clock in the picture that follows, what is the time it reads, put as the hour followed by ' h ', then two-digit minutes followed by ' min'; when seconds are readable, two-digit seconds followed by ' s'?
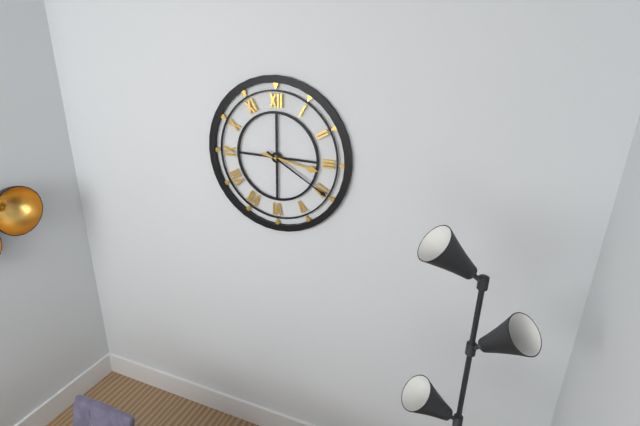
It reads 3 h 20 min
